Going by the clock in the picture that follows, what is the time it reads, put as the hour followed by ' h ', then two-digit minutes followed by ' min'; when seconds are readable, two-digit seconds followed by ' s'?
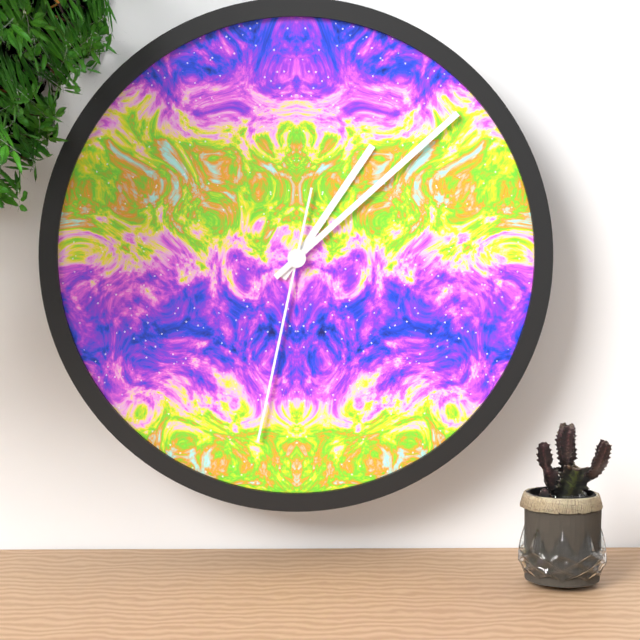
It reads 1 h 08 min 32 s
